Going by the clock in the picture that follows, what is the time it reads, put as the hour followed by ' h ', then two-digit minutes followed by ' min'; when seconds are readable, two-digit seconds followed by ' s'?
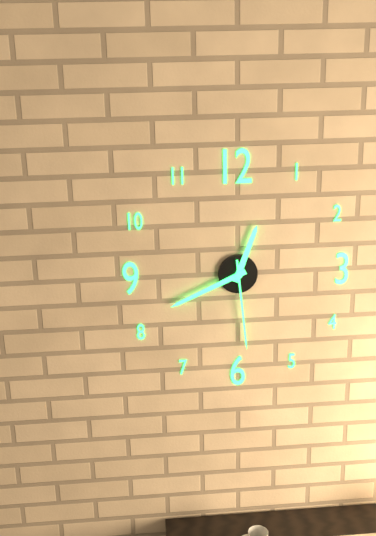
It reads 12 h 41 min 29 s
